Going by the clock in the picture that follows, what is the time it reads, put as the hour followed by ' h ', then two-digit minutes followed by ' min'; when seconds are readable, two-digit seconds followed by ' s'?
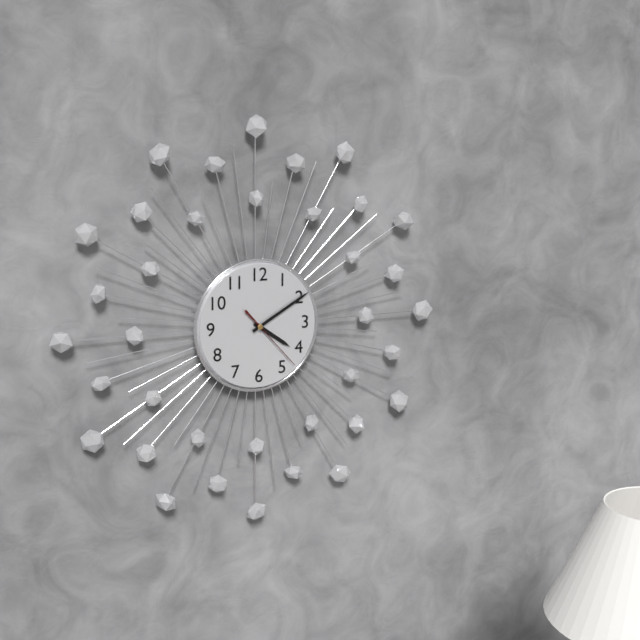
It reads 4 h 10 min 23 s
